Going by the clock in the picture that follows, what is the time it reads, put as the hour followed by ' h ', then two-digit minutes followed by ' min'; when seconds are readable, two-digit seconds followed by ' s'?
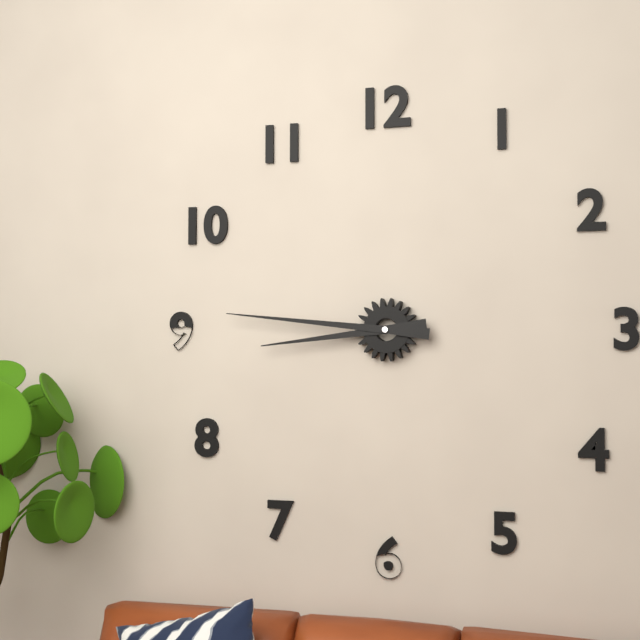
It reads 8 h 46 min
